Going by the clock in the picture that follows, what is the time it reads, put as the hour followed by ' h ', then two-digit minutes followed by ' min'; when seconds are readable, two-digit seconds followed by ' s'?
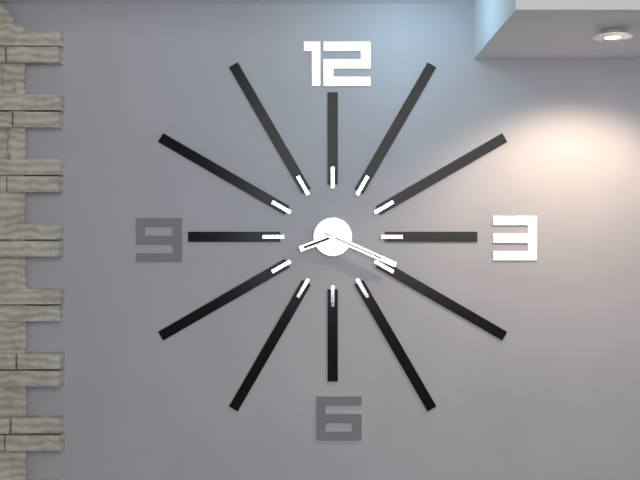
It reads 8 h 19 min 19 s
